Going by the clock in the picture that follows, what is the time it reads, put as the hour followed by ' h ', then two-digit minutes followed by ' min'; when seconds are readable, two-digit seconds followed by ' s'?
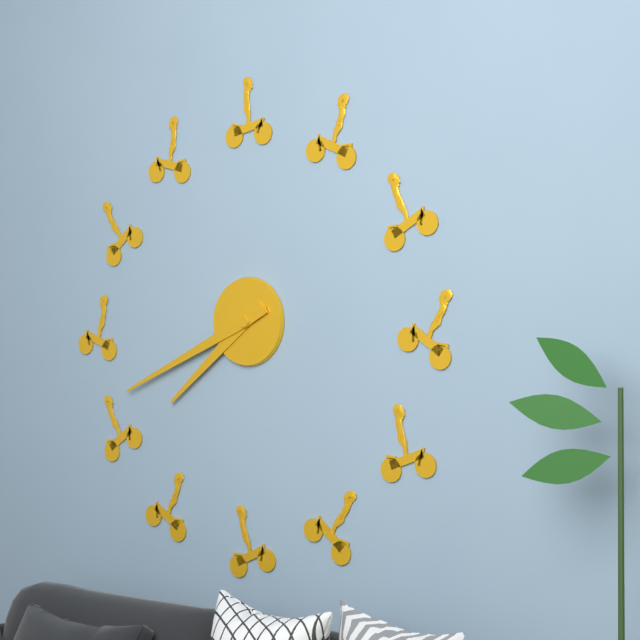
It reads 7 h 41 min
